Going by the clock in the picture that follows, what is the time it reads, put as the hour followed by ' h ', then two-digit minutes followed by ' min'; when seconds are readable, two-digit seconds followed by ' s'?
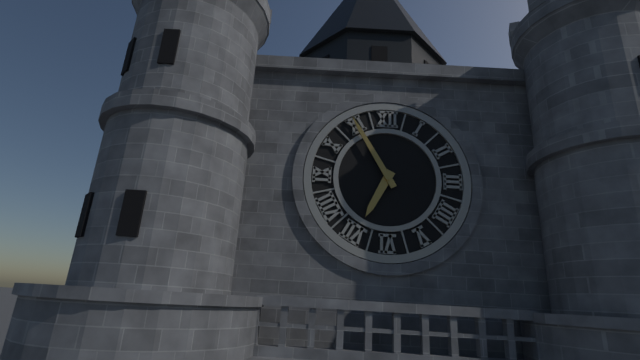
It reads 6 h 55 min
